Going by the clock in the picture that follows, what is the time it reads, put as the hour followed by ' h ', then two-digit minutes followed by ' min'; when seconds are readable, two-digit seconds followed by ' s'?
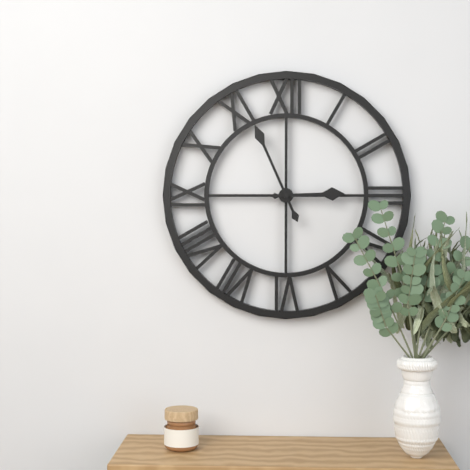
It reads 2 h 56 min
